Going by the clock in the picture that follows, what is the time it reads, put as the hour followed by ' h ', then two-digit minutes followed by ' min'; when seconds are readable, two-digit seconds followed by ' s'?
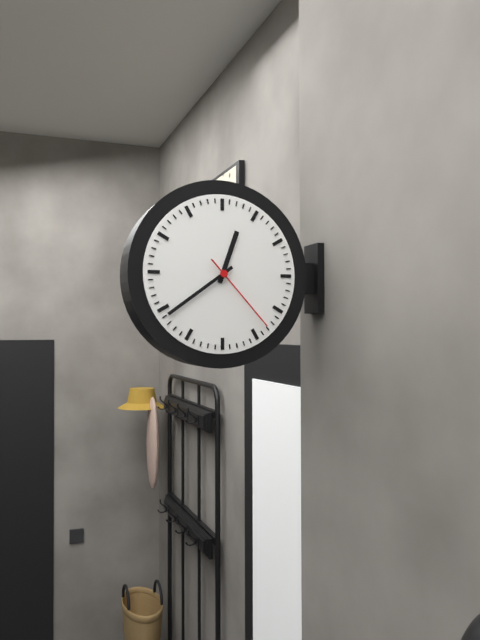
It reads 12 h 39 min 23 s
